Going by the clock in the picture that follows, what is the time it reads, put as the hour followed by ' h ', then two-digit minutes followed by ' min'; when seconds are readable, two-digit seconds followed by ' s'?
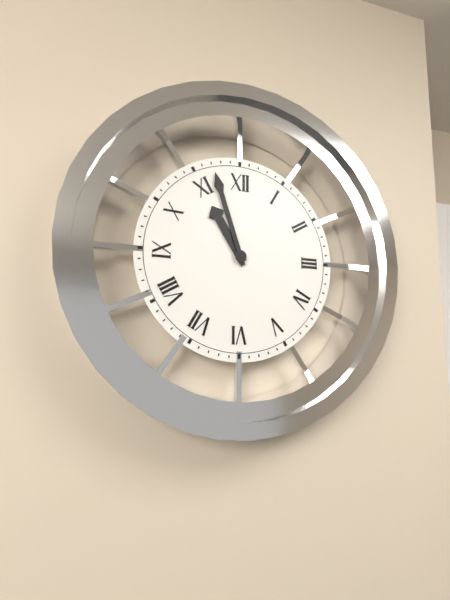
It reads 10 h 57 min
